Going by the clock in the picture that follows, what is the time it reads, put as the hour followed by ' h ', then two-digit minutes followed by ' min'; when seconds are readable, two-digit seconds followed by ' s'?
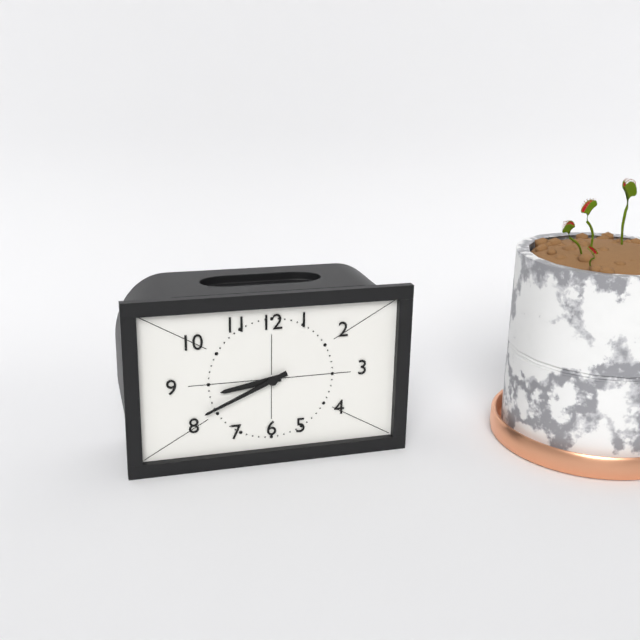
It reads 8 h 41 min
